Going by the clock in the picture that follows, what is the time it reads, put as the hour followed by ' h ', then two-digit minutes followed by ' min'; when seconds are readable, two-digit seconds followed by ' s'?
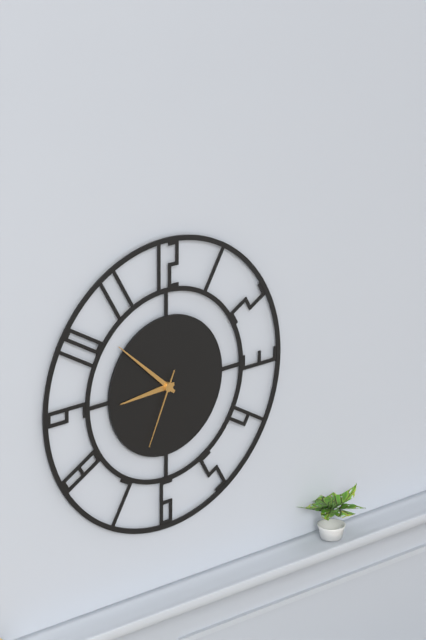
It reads 8 h 52 min 34 s
